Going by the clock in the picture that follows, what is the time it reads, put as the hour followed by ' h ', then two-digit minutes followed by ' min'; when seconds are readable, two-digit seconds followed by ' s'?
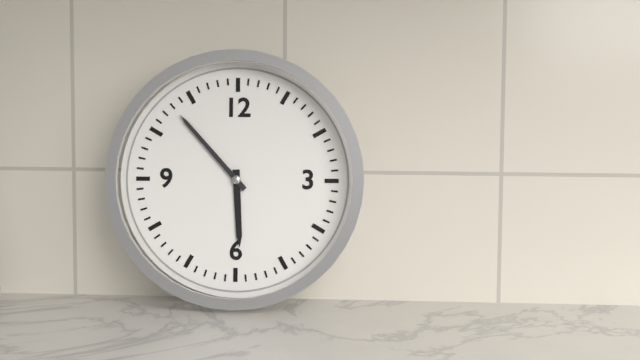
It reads 5 h 53 min
